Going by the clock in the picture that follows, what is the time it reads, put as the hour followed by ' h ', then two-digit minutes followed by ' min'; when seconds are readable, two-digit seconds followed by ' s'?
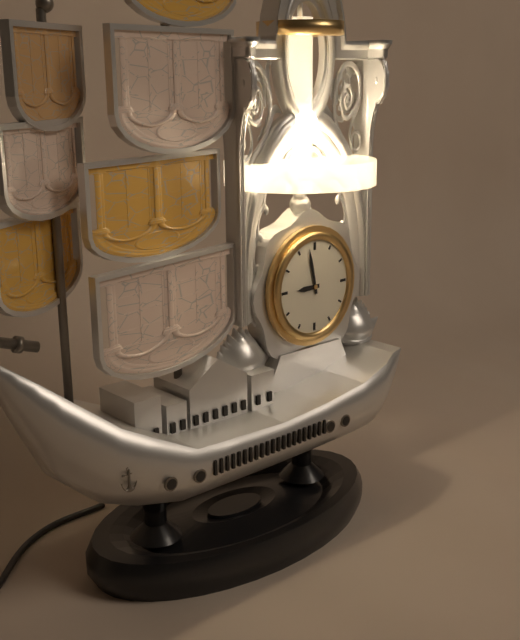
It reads 8 h 58 min
